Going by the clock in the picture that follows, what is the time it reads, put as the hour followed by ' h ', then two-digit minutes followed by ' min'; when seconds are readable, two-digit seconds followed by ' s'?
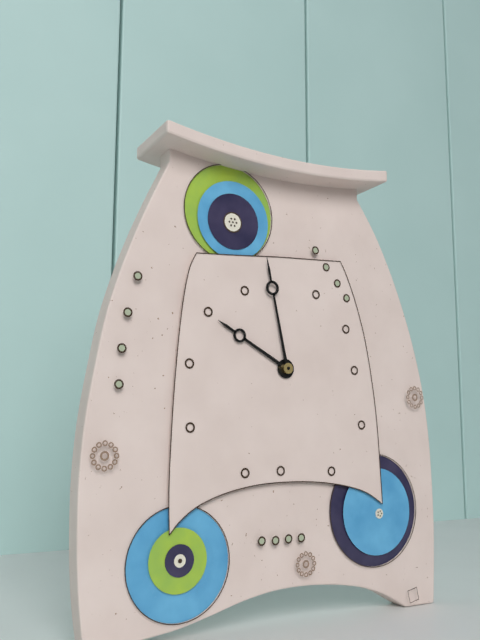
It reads 9 h 58 min
